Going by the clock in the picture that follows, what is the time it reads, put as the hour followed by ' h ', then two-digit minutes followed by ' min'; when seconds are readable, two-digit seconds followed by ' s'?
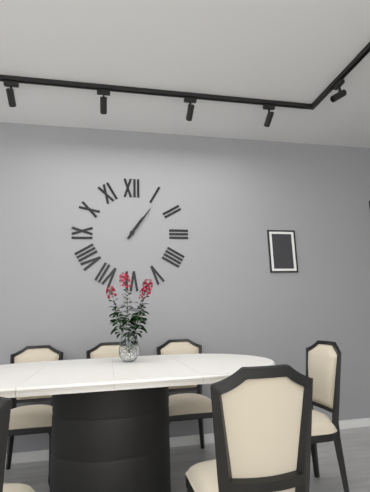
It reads 1 h 06 min
